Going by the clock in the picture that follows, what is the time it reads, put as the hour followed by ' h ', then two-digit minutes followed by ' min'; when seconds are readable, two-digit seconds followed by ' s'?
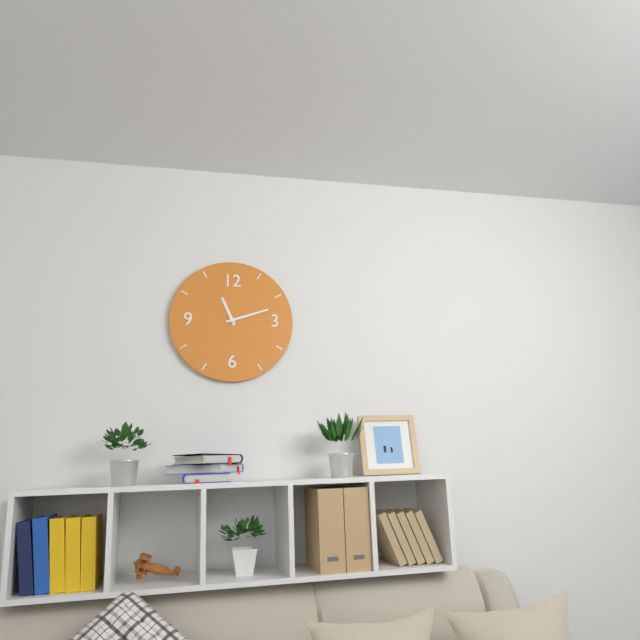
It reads 11 h 12 min
